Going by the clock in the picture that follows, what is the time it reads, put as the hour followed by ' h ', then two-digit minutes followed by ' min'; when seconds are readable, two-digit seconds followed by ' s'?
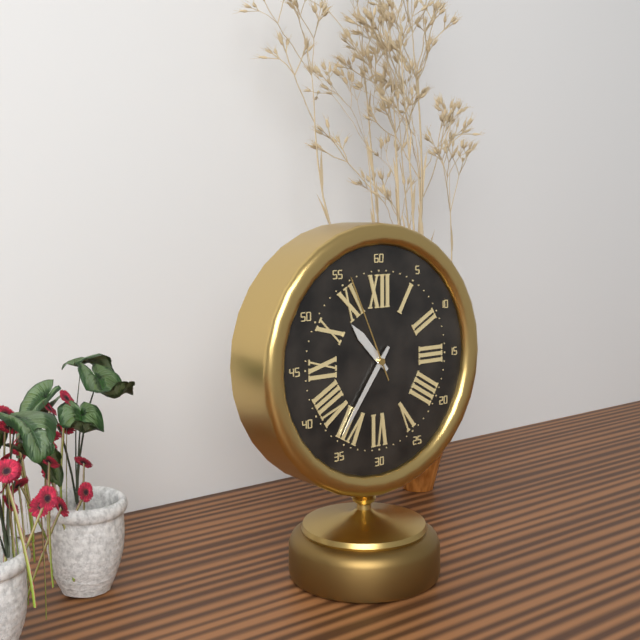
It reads 10 h 36 min 56 s
